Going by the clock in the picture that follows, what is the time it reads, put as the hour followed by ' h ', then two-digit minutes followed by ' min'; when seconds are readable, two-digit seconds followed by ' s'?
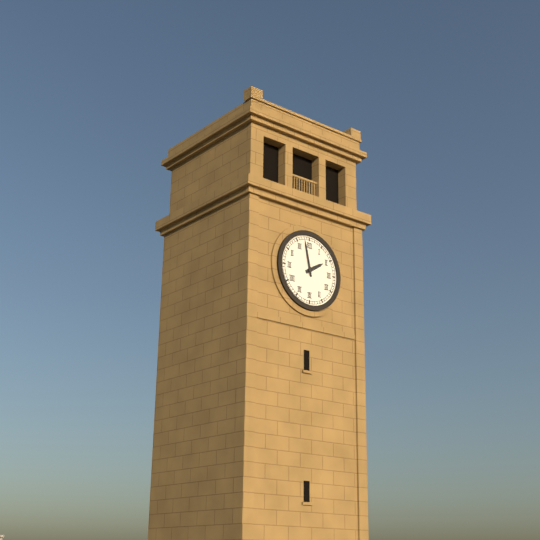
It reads 1 h 58 min
